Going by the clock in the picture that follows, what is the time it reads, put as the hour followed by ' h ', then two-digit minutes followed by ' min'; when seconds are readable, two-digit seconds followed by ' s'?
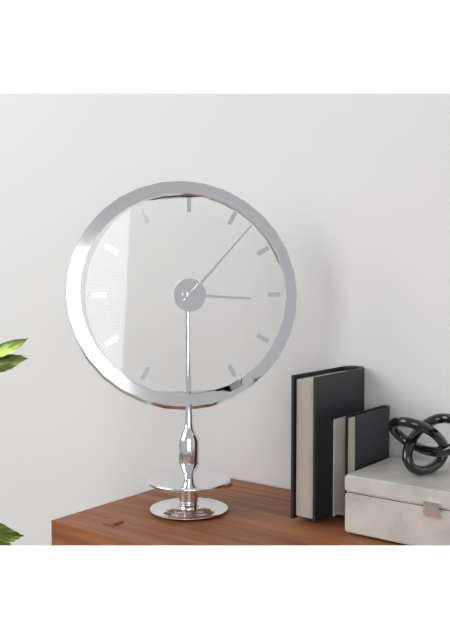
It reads 3 h 07 min
